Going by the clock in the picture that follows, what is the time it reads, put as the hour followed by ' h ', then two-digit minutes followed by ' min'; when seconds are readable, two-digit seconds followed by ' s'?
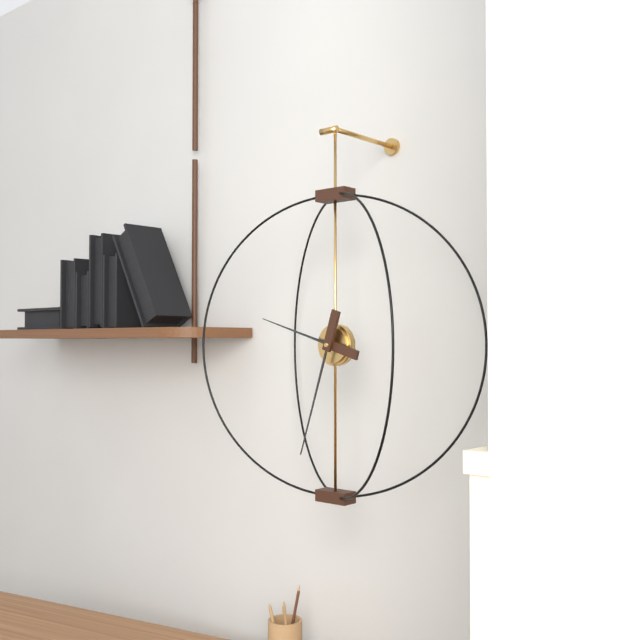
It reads 9 h 33 min
